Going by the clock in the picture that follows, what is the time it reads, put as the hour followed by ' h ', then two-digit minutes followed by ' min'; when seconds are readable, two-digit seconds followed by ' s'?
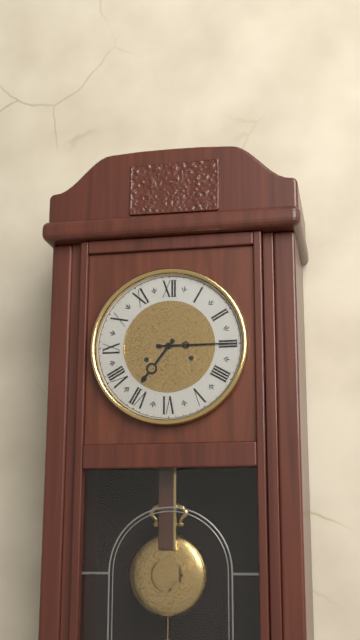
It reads 7 h 15 min
